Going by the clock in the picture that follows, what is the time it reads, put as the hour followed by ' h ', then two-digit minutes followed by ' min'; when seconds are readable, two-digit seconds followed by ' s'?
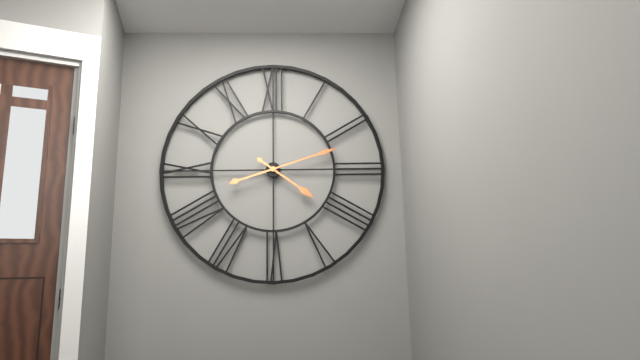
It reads 4 h 12 min
